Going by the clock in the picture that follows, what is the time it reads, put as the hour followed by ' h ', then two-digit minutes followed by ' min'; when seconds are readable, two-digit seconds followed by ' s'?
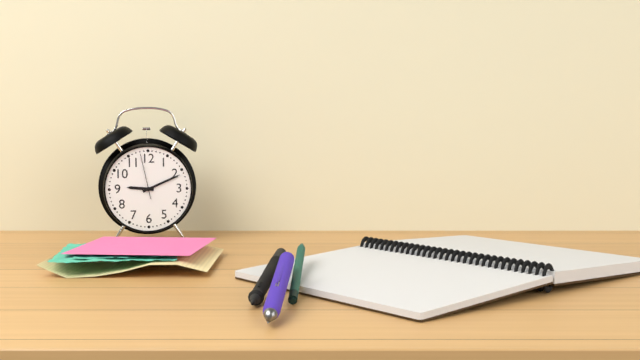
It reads 9 h 11 min
